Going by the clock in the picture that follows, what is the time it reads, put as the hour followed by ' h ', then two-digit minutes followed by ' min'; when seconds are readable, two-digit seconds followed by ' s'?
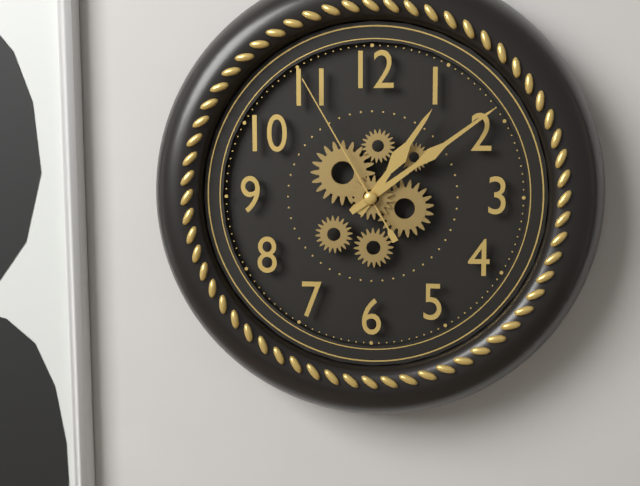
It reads 1 h 09 min 55 s
